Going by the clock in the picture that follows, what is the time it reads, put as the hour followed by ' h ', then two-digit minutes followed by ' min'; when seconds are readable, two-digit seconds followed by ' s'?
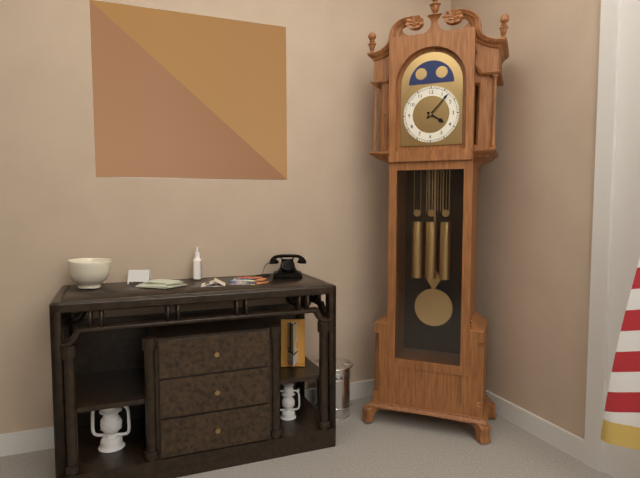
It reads 4 h 07 min
